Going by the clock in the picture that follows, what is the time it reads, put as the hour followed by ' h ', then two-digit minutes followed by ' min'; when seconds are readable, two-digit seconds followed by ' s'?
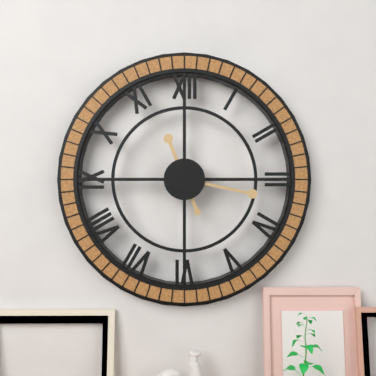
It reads 11 h 17 min
